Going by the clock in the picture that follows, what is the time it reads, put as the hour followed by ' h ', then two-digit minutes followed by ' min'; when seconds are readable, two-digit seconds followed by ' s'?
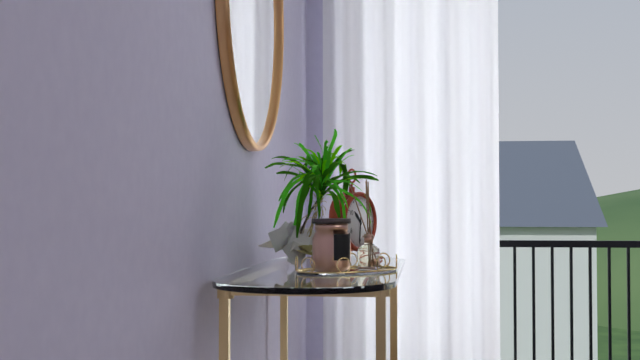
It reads 10 h 31 min
